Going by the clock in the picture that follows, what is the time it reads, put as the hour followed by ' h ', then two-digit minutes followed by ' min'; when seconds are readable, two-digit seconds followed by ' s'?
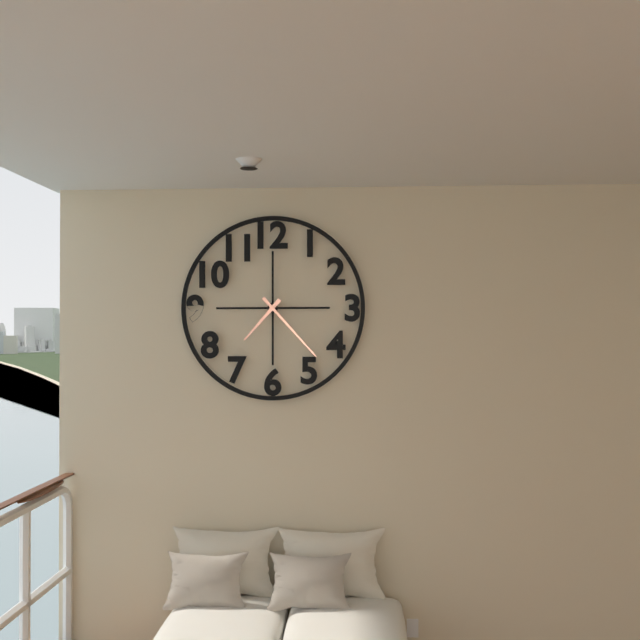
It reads 7 h 23 min
